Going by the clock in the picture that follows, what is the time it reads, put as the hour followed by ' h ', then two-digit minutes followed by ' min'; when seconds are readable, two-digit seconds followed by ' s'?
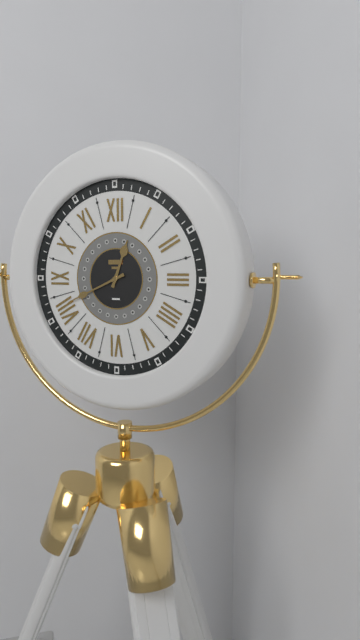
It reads 12 h 41 min
